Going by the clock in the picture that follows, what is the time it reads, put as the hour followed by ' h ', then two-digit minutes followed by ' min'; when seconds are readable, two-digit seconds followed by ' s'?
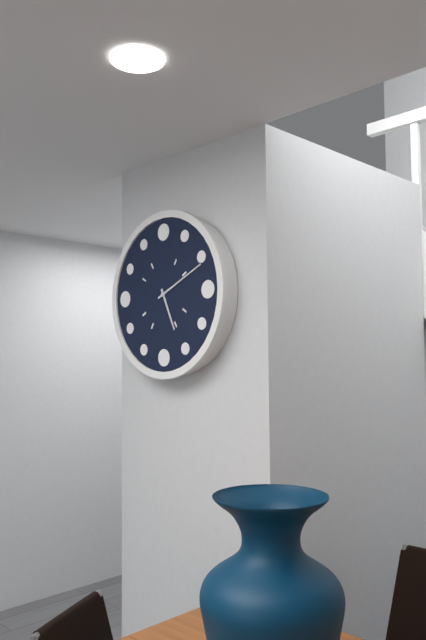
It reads 5 h 11 min
